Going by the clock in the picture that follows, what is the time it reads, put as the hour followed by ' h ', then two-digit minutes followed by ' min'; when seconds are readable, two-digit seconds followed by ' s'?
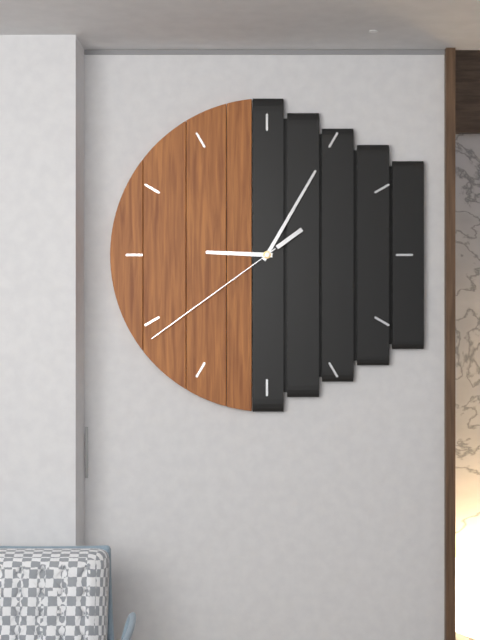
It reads 9 h 05 min 39 s
